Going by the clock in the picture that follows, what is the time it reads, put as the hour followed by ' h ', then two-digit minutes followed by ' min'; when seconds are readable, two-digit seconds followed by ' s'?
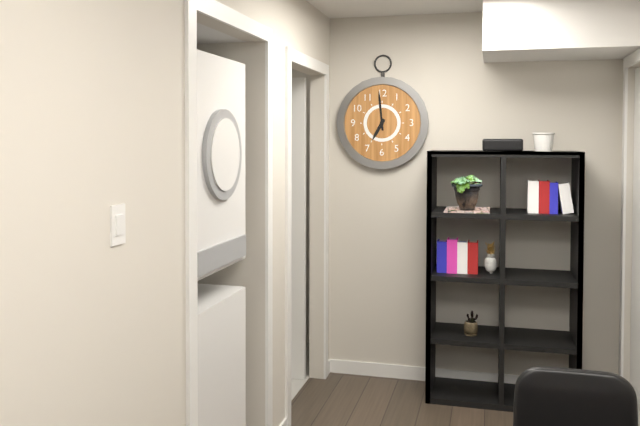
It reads 6 h 59 min
